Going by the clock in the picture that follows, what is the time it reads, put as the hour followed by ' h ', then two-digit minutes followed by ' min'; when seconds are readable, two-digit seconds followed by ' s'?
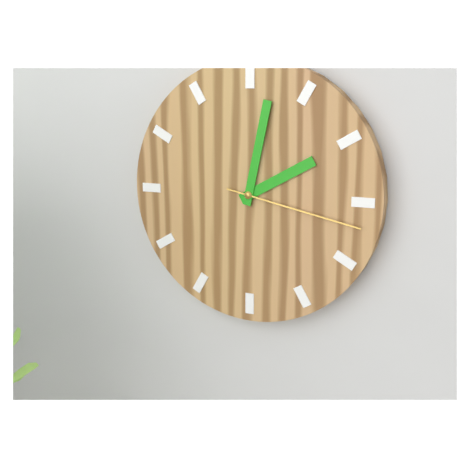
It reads 2 h 02 min 17 s
